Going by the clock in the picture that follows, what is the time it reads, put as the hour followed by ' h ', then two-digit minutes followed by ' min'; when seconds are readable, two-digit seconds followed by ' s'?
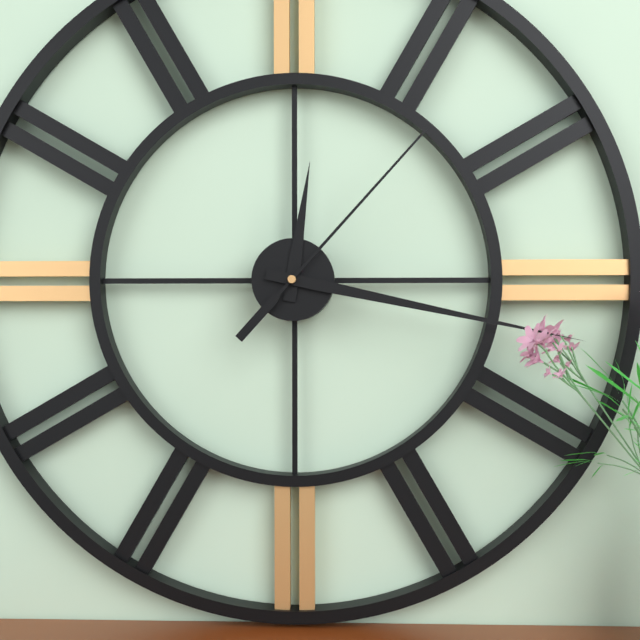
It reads 12 h 17 min 07 s
